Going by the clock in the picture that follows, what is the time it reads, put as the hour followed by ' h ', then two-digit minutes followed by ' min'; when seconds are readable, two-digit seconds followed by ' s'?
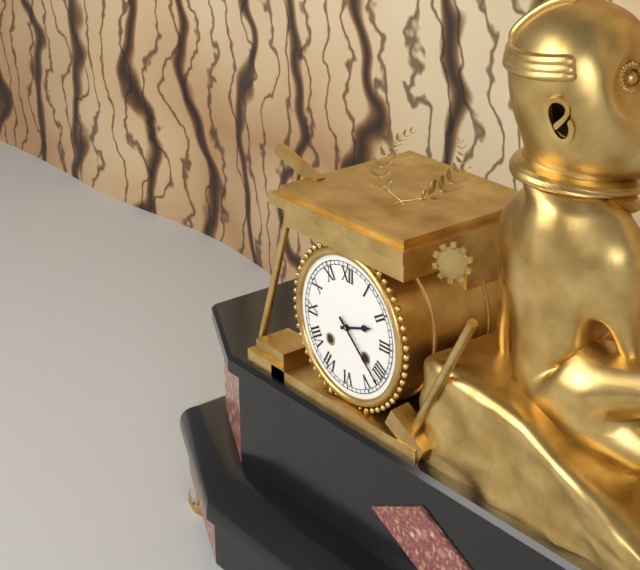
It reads 2 h 22 min
